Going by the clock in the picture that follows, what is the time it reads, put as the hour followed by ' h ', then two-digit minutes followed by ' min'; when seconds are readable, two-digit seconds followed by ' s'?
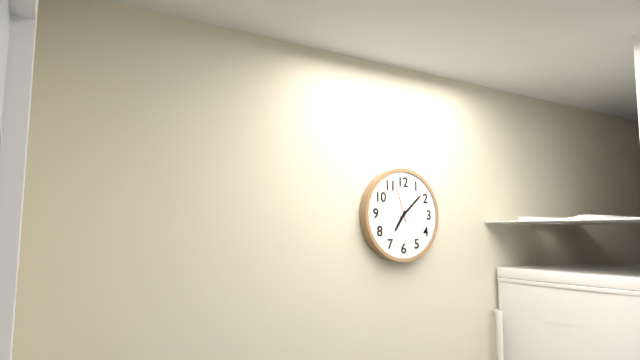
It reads 7 h 08 min
